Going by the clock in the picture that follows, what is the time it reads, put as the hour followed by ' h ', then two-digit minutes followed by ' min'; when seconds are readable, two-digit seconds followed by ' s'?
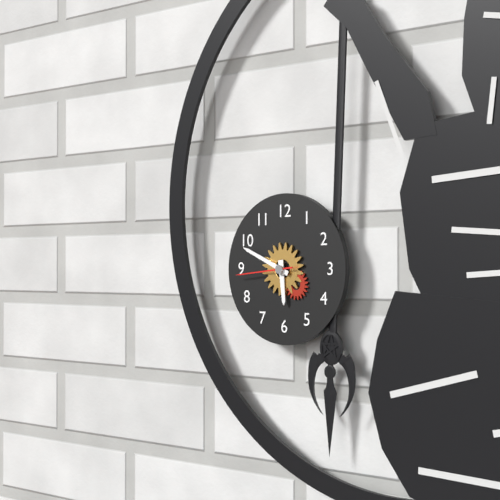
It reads 5 h 49 min 44 s
